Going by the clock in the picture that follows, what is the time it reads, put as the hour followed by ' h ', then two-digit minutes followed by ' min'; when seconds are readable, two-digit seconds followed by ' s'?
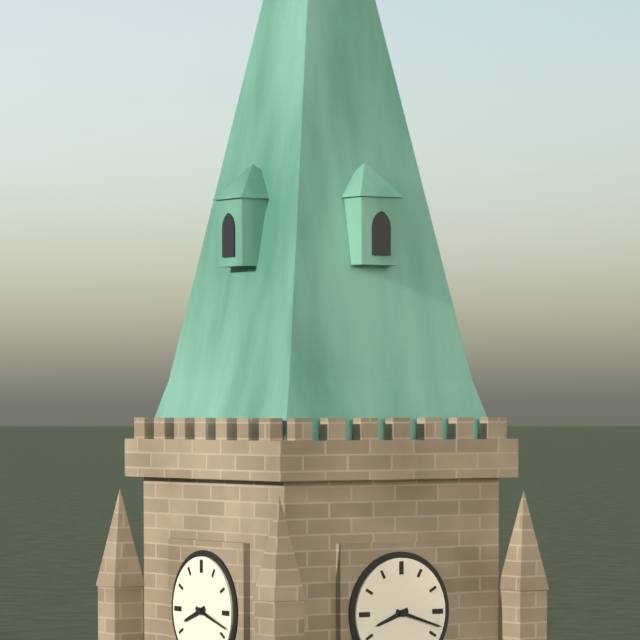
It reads 8 h 18 min
